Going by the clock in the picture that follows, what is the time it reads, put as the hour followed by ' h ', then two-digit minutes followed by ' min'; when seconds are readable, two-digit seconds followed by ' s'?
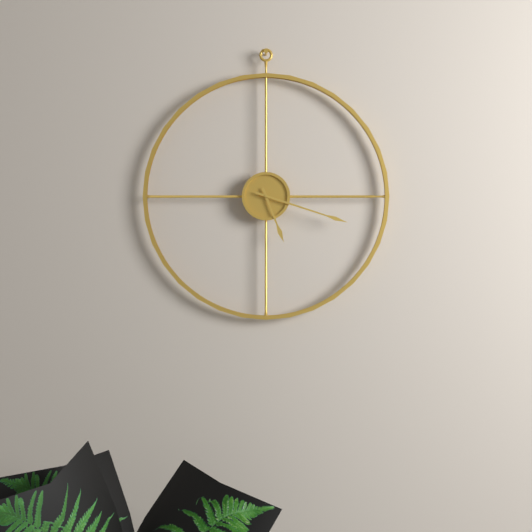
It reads 5 h 18 min
